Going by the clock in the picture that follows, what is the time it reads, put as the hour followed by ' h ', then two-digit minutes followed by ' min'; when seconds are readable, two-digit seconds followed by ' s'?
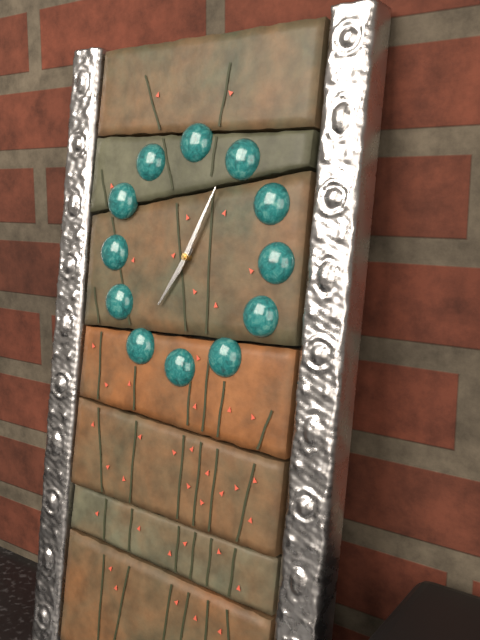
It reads 7 h 04 min
